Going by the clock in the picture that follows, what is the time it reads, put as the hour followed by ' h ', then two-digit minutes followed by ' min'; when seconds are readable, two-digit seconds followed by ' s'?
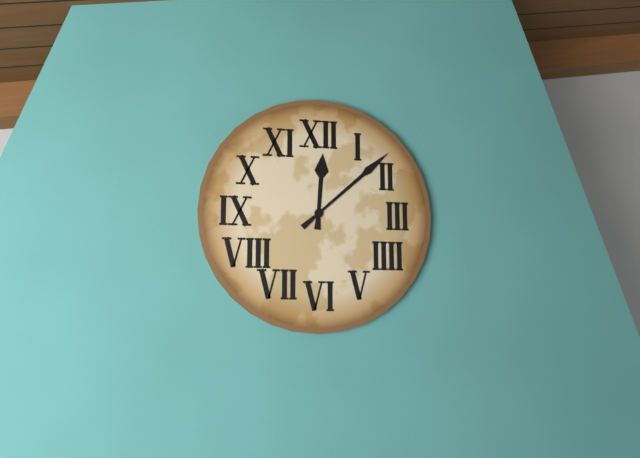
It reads 12 h 08 min
